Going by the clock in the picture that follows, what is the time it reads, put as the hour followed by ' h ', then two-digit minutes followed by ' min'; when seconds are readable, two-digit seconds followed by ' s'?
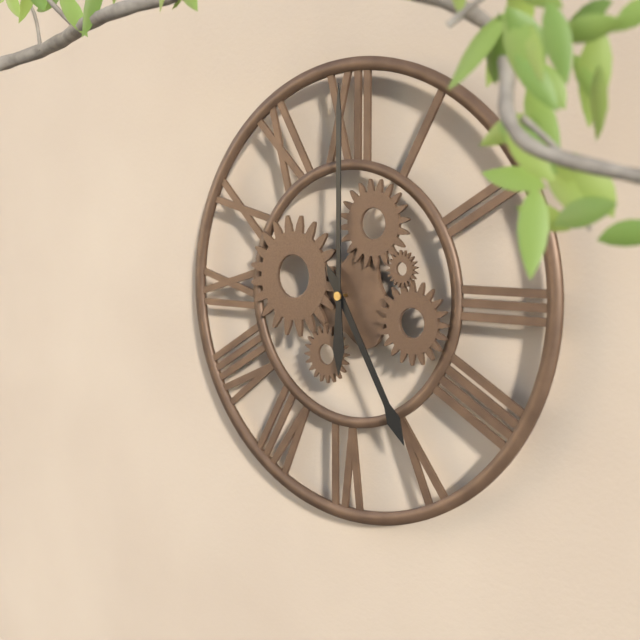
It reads 5 h 00 min
